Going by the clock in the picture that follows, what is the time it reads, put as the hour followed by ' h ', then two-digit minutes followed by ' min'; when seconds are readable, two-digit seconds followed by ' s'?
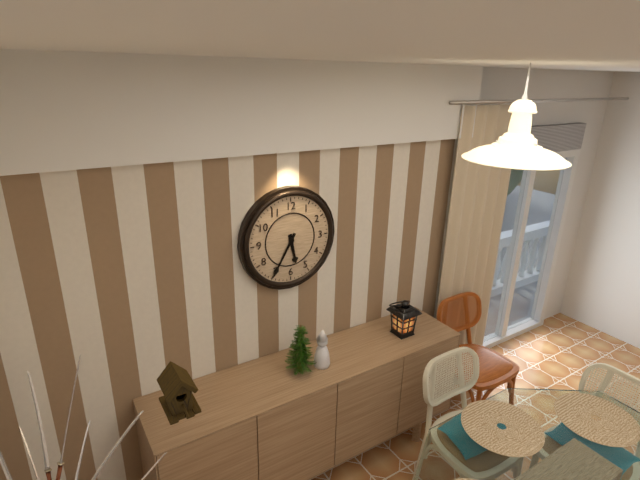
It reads 5 h 35 min
